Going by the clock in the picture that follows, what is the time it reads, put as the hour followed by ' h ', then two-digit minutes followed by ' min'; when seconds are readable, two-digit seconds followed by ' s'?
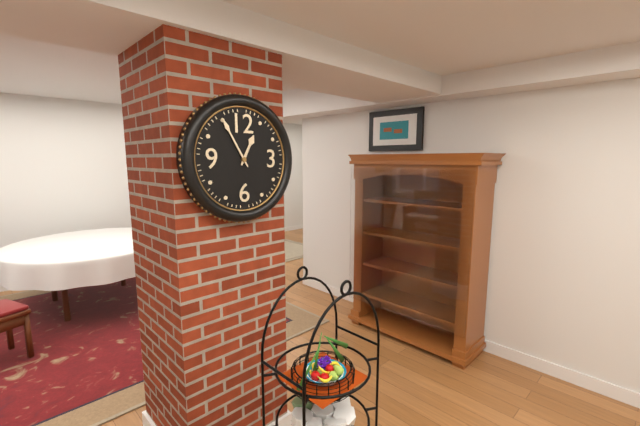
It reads 12 h 55 min
